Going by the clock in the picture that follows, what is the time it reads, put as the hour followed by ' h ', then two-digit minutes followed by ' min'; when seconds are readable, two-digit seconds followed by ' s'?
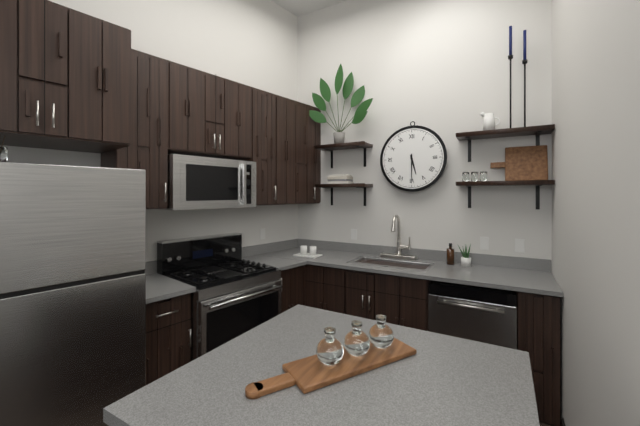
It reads 5 h 30 min
